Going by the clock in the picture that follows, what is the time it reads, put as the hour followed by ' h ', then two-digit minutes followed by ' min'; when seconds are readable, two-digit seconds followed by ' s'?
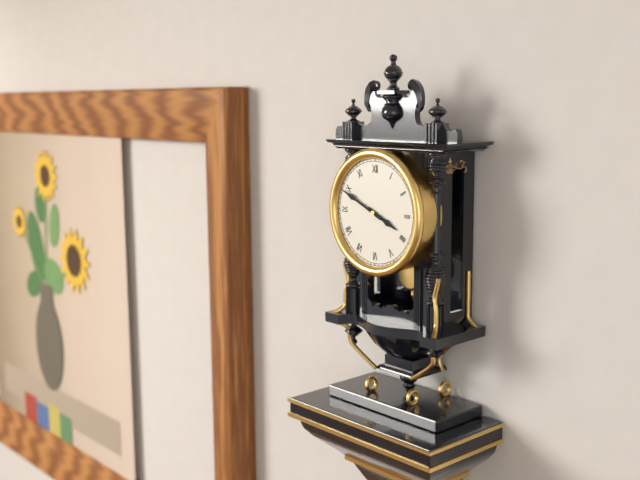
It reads 3 h 49 min
